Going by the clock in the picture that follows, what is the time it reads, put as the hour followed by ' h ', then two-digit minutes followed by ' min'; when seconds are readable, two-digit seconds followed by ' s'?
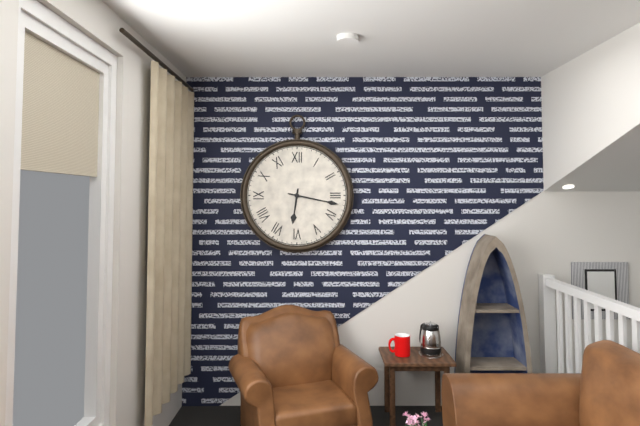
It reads 6 h 17 min
